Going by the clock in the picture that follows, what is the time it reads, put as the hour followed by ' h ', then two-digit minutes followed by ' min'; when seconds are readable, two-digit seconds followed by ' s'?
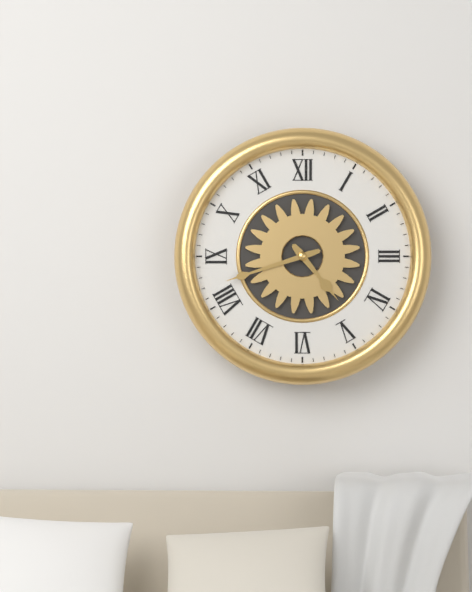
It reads 4 h 42 min
